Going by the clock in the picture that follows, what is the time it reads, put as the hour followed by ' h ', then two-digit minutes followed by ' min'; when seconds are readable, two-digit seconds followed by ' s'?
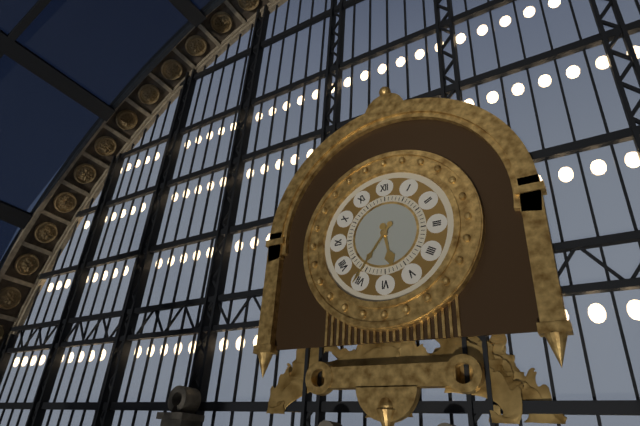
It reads 5 h 36 min
